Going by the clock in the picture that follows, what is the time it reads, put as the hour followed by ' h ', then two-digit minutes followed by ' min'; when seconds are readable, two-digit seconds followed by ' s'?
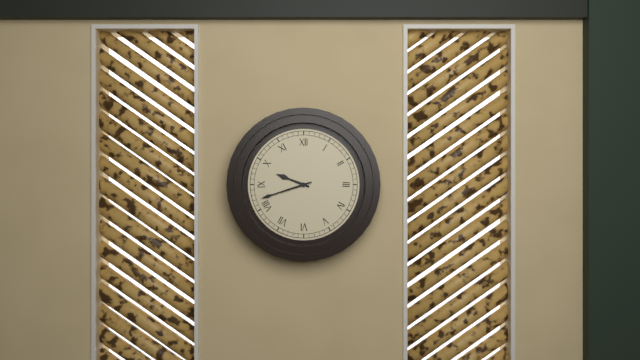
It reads 9 h 42 min
